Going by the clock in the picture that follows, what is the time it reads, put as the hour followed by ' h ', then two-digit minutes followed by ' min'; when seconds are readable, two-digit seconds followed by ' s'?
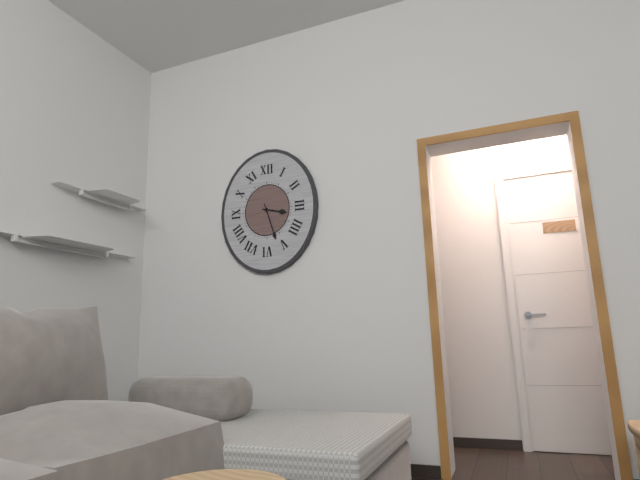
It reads 3 h 27 min
